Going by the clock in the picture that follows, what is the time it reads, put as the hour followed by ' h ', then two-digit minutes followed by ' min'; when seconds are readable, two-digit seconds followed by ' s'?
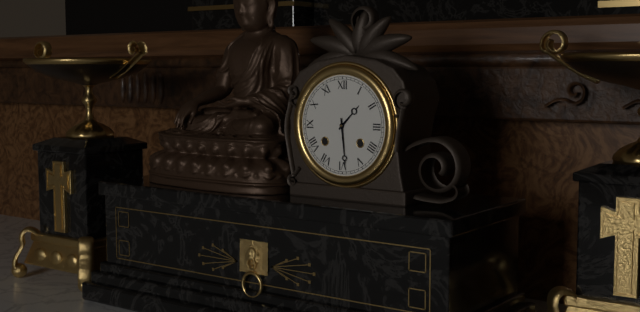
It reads 1 h 29 min
